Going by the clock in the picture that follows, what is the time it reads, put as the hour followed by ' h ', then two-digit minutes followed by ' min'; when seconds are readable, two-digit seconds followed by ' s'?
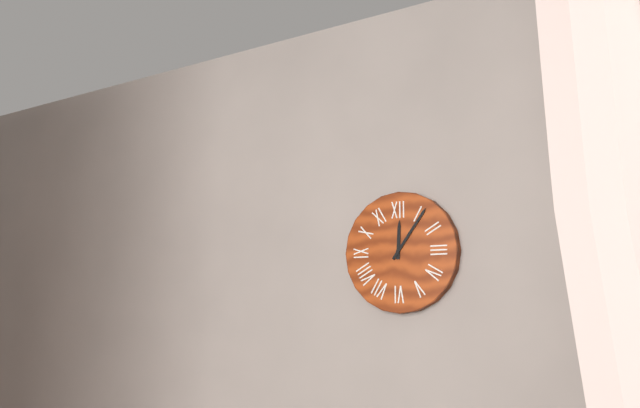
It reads 12 h 06 min
